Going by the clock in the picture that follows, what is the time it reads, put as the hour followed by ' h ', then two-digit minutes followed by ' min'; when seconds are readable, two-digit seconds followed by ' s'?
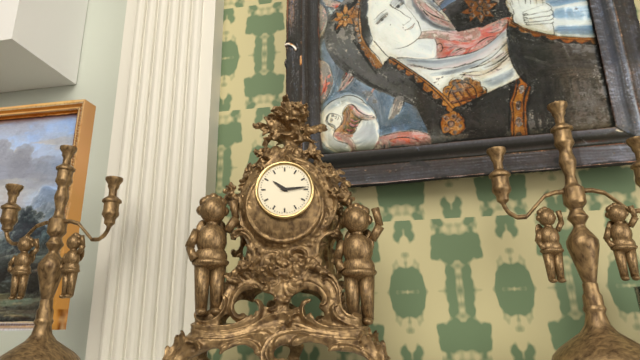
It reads 10 h 14 min
